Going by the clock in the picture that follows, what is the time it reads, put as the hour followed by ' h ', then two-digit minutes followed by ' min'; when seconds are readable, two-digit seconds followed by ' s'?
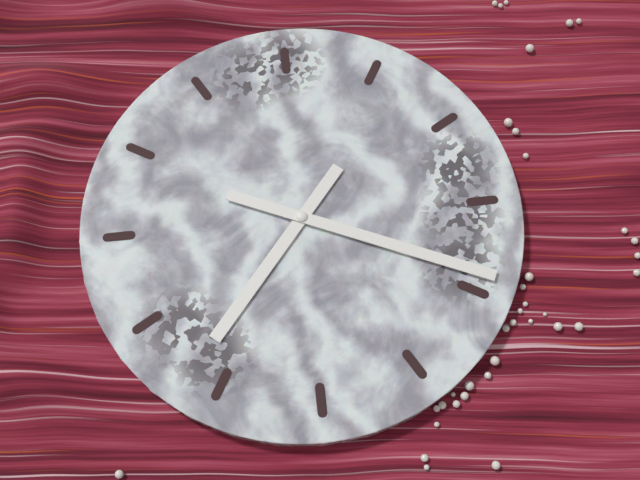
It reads 7 h 19 min
